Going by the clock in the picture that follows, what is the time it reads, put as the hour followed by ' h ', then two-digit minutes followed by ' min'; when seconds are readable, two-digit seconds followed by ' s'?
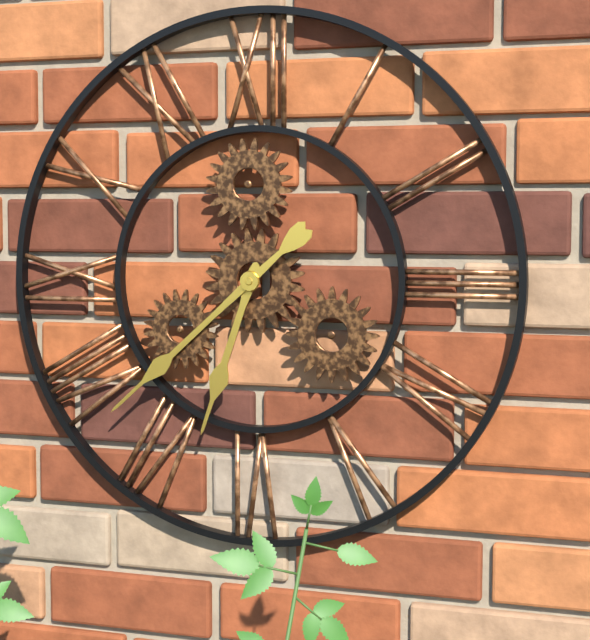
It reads 6 h 38 min
